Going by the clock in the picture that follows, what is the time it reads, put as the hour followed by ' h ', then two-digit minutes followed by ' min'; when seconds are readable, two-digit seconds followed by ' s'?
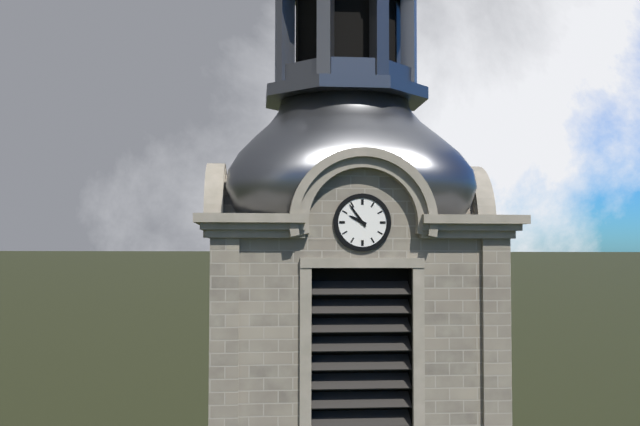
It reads 9 h 54 min
